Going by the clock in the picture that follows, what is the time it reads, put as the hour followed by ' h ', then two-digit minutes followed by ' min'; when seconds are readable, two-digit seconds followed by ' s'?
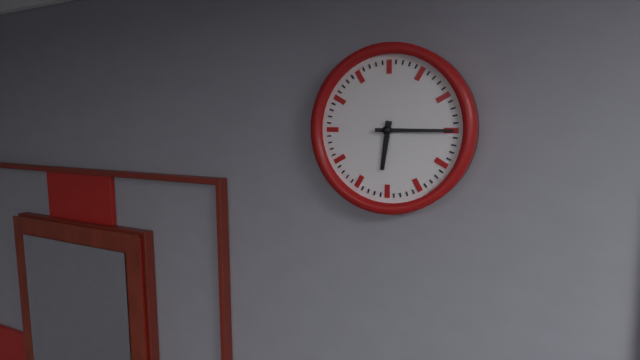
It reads 6 h 15 min
